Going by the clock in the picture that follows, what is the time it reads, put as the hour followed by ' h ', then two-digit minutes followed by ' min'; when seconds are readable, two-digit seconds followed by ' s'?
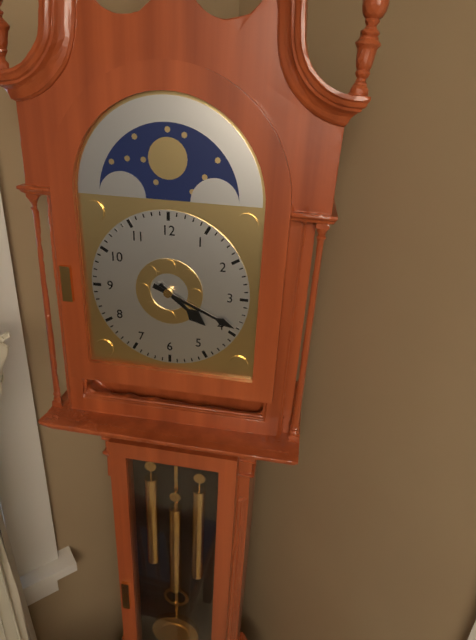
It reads 4 h 19 min
